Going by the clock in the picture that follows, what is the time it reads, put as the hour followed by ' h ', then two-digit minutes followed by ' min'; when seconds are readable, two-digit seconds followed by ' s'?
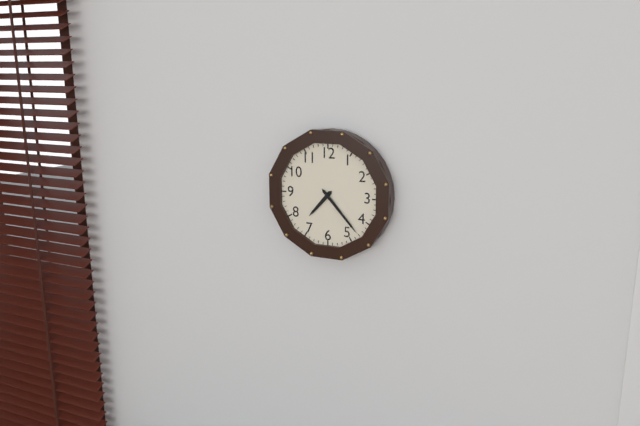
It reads 7 h 23 min
